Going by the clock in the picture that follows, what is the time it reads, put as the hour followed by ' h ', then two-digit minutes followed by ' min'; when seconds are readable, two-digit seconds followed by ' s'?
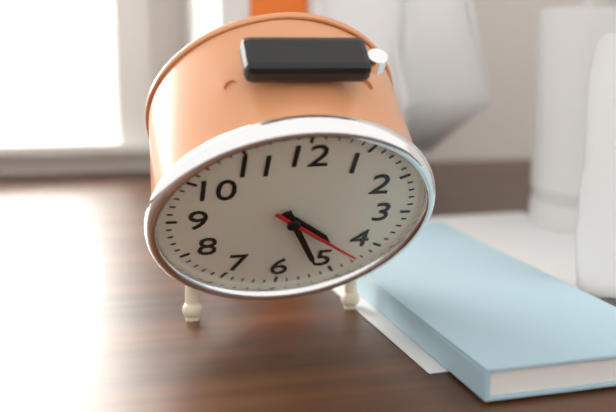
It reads 4 h 26 min 22 s
